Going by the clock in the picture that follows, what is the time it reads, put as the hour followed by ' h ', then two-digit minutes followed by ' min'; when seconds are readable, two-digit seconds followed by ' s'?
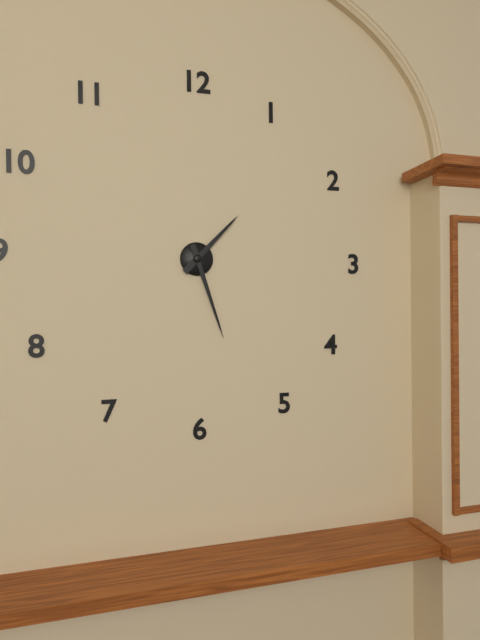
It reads 1 h 27 min
